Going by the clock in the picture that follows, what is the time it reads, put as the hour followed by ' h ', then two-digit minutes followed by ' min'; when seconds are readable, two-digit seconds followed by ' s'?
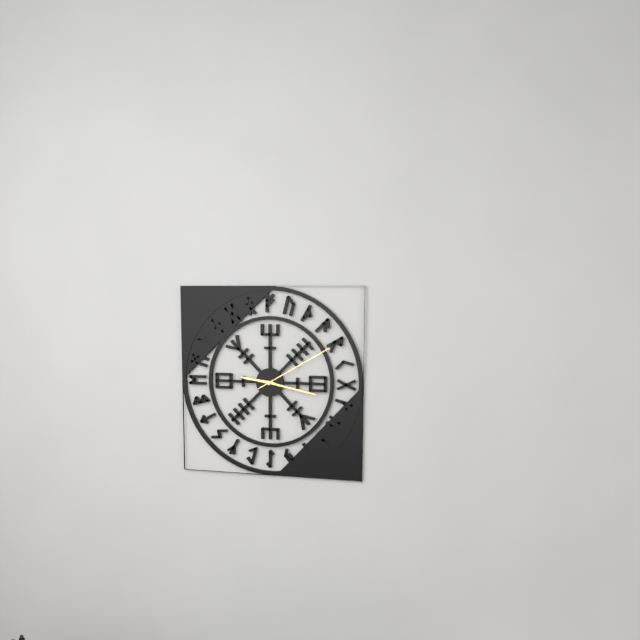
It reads 9 h 17 min 10 s
